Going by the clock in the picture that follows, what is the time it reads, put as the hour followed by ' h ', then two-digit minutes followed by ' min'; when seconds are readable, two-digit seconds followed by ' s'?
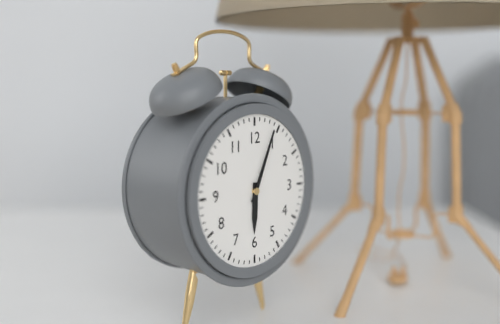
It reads 6 h 04 min
